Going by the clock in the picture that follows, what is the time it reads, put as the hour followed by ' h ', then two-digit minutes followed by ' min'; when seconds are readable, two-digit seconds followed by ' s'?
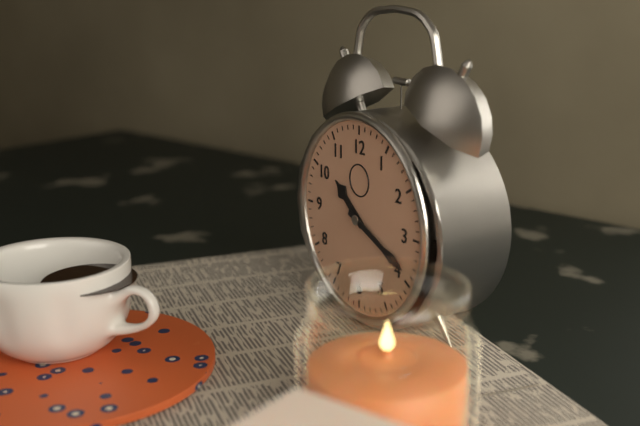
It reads 10 h 19 min
